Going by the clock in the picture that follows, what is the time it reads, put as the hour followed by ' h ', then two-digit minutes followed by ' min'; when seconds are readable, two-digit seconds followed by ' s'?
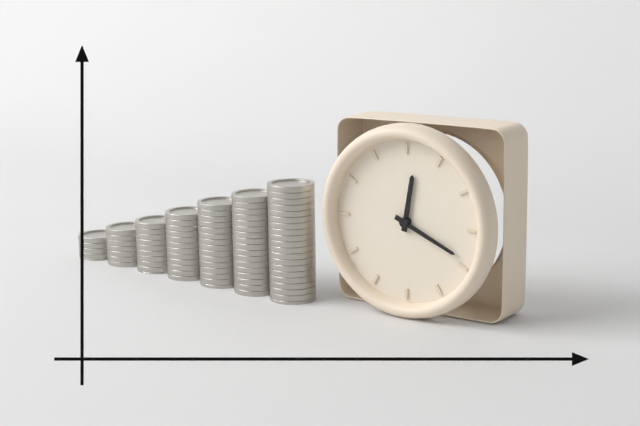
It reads 12 h 19 min
